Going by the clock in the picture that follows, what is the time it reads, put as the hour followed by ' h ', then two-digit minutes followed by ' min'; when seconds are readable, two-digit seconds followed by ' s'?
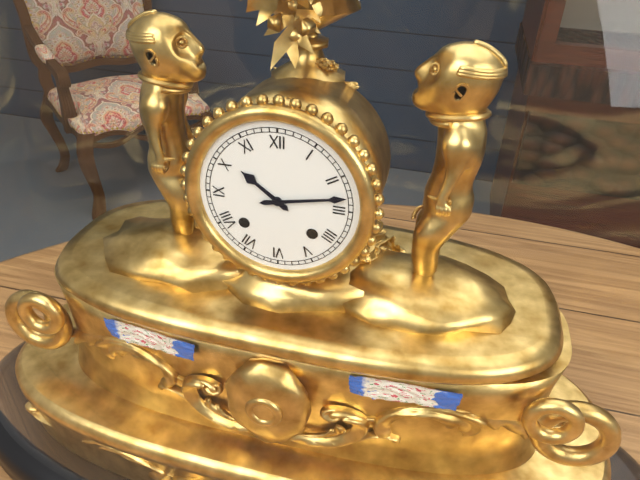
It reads 10 h 13 min
